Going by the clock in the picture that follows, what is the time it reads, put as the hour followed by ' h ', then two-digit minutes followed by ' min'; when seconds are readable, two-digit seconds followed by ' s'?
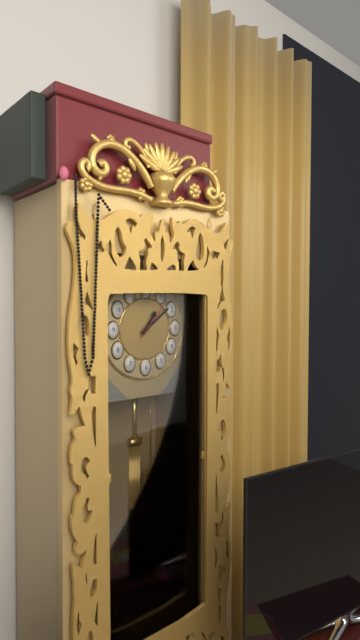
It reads 1 h 09 min
